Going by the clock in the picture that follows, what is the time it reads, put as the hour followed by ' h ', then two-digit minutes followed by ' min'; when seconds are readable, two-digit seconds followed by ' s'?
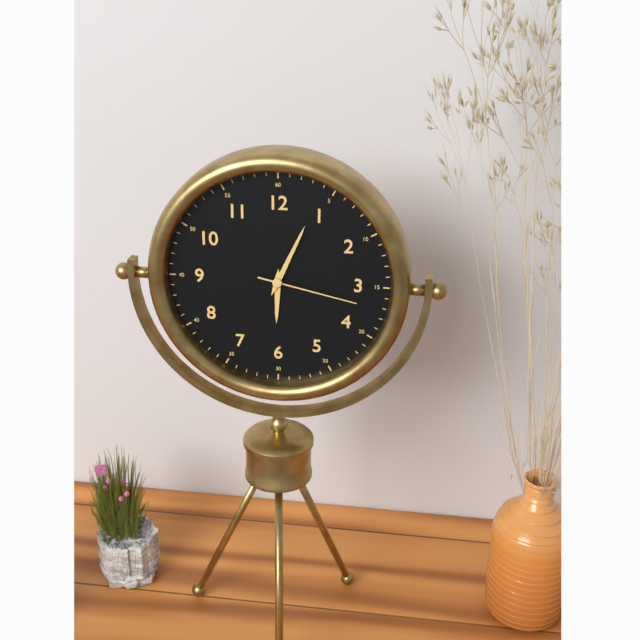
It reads 6 h 04 min 17 s
